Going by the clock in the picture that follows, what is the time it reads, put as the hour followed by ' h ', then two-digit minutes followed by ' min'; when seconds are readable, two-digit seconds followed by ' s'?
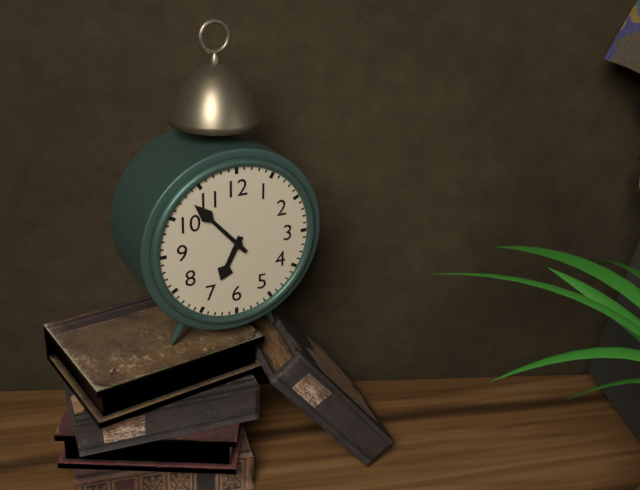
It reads 6 h 53 min
